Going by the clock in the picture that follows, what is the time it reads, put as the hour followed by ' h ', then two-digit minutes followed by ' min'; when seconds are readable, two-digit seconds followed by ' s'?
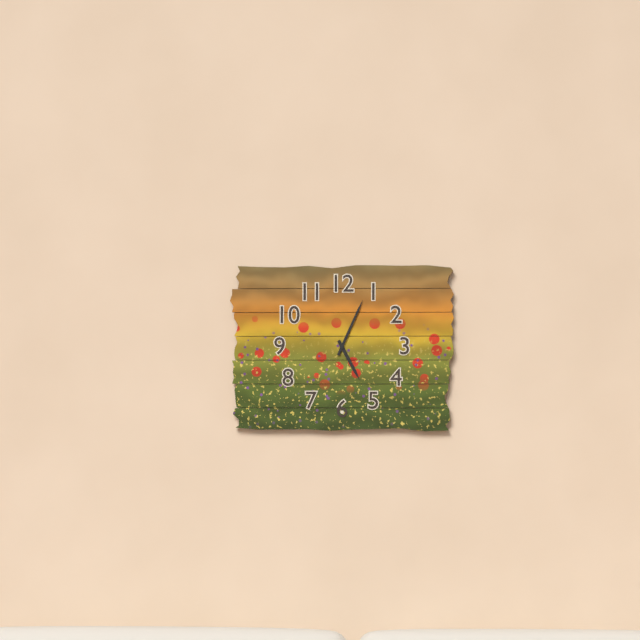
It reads 5 h 04 min
